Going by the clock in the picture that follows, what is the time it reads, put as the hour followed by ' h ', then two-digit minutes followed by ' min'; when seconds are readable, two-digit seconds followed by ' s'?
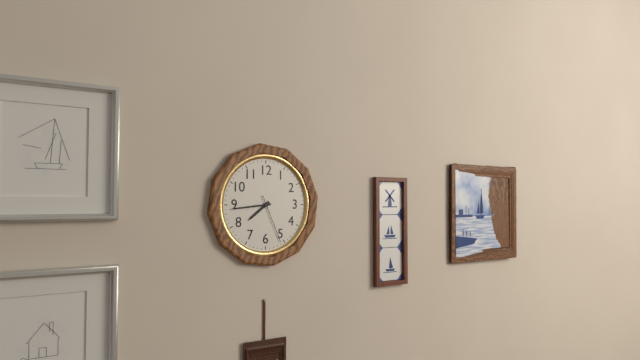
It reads 7 h 44 min
